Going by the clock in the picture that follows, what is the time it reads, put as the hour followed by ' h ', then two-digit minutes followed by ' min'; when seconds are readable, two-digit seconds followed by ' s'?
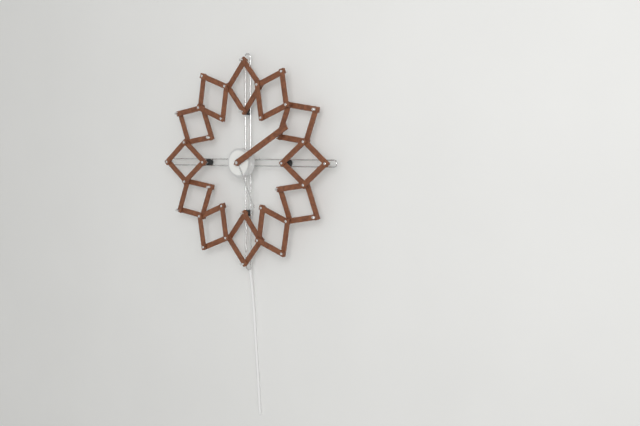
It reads 5 h 10 min
